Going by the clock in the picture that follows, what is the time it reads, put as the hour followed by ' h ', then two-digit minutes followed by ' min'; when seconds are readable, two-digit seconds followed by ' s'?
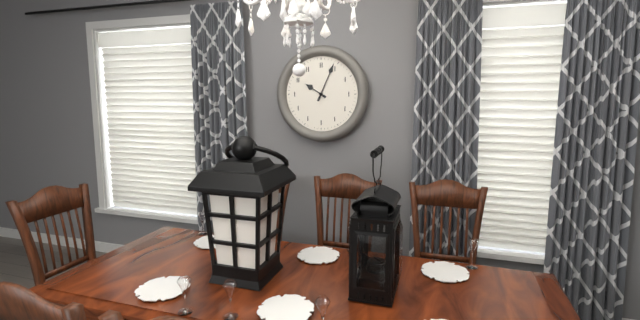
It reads 10 h 04 min
